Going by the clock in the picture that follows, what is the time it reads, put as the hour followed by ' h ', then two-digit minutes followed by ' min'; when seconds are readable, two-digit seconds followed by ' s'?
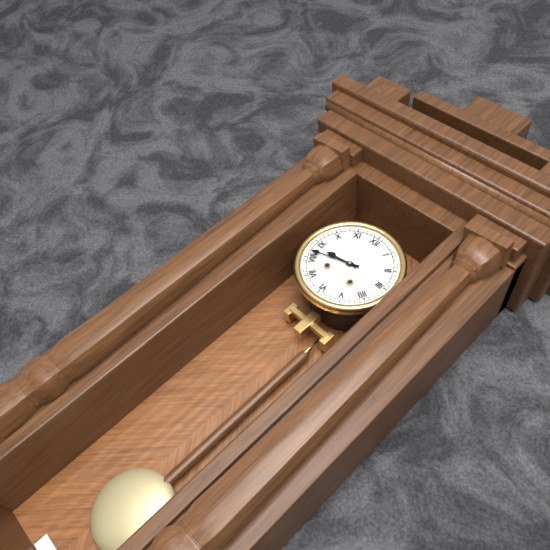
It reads 8 h 42 min
